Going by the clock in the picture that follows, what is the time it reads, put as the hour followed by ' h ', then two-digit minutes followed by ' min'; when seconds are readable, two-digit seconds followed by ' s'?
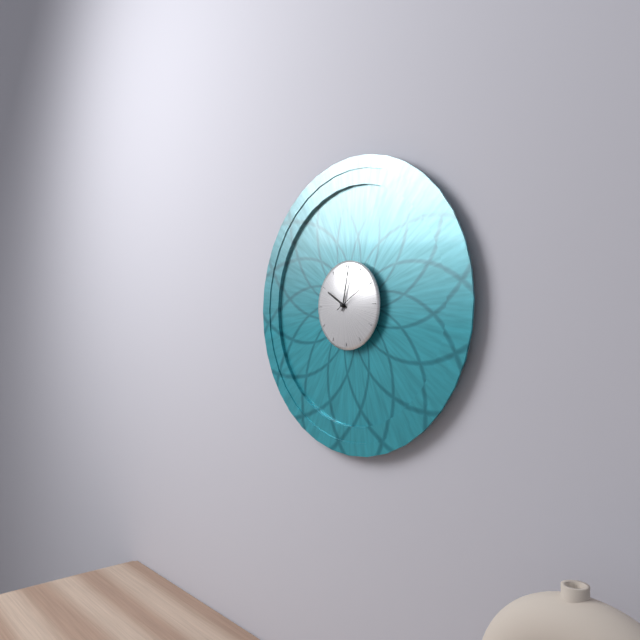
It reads 10 h 02 min
